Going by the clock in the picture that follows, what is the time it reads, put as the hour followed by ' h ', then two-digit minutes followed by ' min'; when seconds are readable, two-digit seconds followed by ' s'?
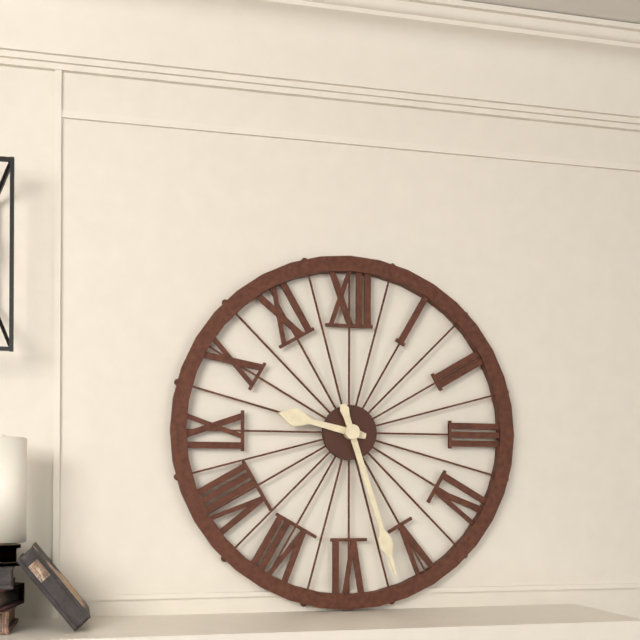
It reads 9 h 27 min
